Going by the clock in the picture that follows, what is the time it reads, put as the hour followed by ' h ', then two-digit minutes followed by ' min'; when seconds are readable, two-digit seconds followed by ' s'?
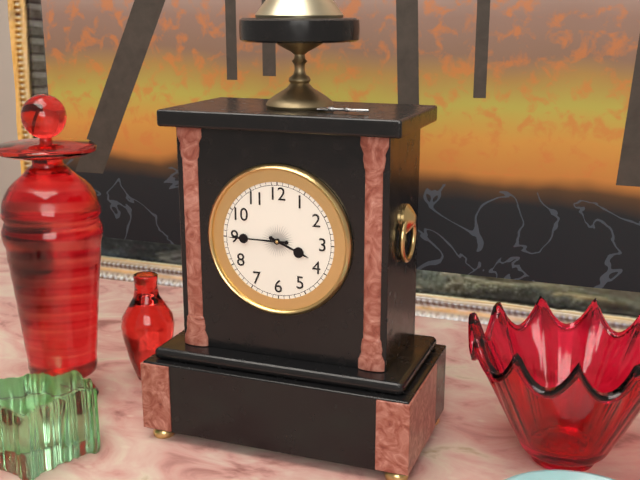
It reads 3 h 45 min
